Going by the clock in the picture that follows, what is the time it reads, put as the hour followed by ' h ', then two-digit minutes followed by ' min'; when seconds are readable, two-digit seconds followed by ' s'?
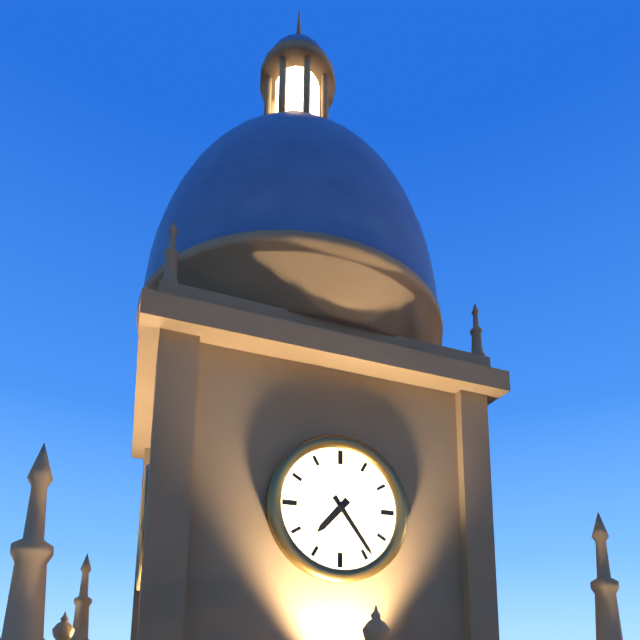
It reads 7 h 24 min
